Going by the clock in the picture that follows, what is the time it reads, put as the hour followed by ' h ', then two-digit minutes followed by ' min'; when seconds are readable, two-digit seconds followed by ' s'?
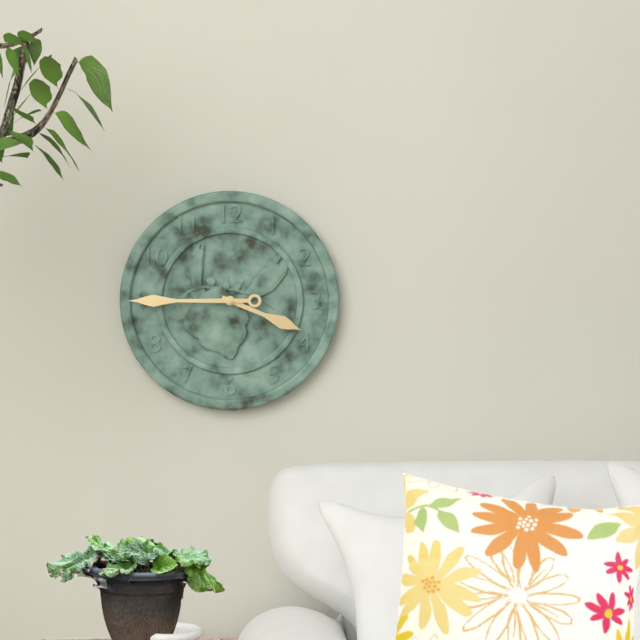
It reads 3 h 45 min
